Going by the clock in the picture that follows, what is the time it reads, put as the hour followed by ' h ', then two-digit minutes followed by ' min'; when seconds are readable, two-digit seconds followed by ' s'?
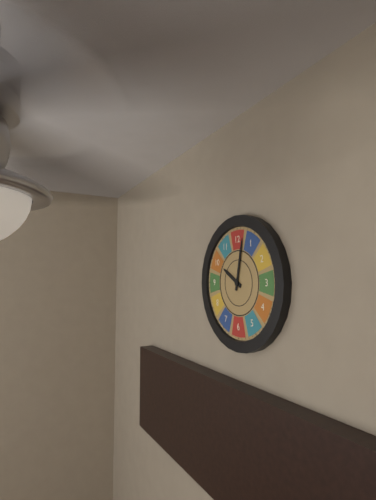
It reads 10 h 02 min
